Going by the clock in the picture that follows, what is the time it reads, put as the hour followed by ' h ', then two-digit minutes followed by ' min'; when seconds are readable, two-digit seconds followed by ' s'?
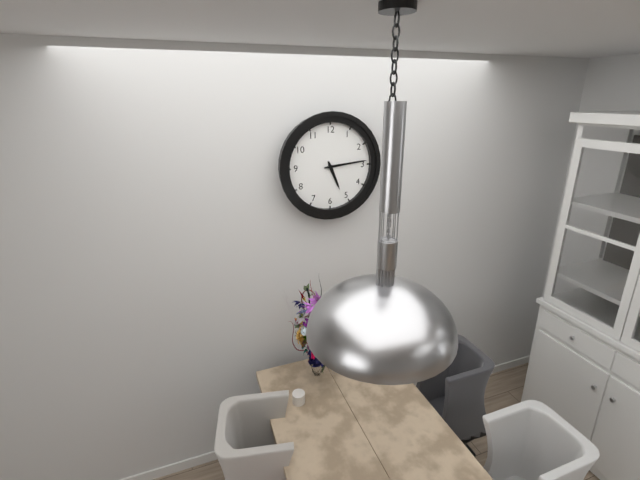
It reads 5 h 14 min
